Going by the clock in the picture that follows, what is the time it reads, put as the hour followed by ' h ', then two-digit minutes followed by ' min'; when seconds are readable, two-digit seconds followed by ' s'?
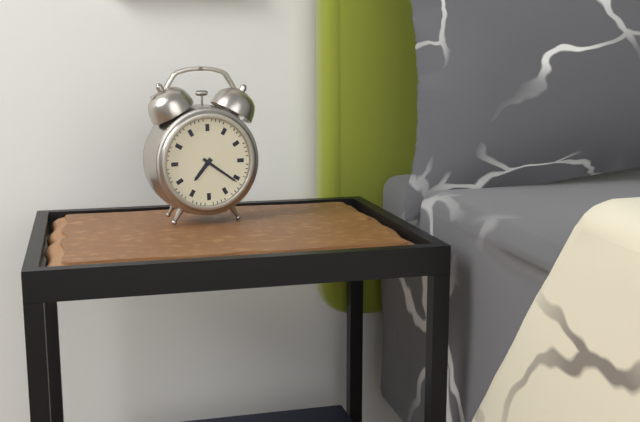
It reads 7 h 21 min
